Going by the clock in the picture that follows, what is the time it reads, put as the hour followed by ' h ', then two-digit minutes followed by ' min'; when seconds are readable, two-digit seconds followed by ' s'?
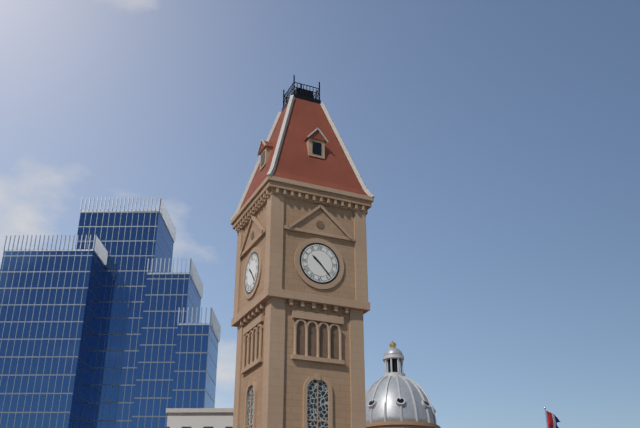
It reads 10 h 23 min
